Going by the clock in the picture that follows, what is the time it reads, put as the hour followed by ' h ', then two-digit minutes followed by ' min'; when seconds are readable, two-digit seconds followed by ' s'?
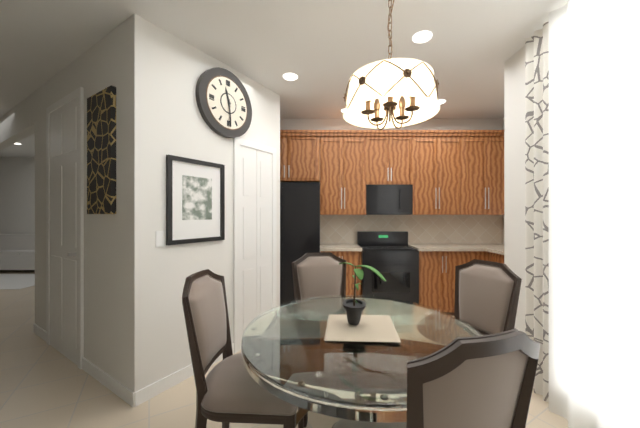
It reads 11 h 29 min
